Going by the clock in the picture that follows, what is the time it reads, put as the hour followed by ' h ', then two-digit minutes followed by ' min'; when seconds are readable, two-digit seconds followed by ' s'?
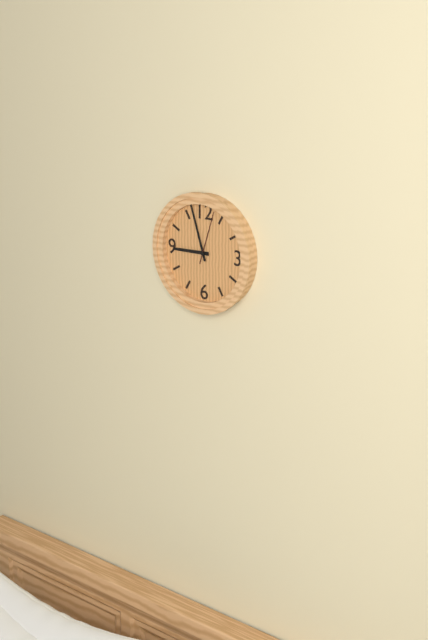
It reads 8 h 57 min 03 s
